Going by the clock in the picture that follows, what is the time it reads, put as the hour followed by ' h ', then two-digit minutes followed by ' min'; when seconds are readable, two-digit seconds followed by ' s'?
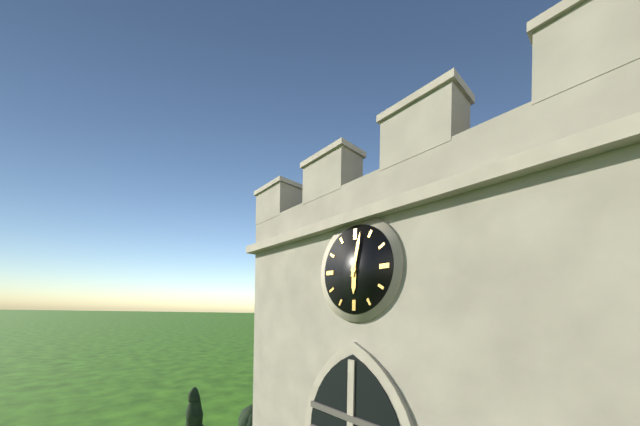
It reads 6 h 02 min
